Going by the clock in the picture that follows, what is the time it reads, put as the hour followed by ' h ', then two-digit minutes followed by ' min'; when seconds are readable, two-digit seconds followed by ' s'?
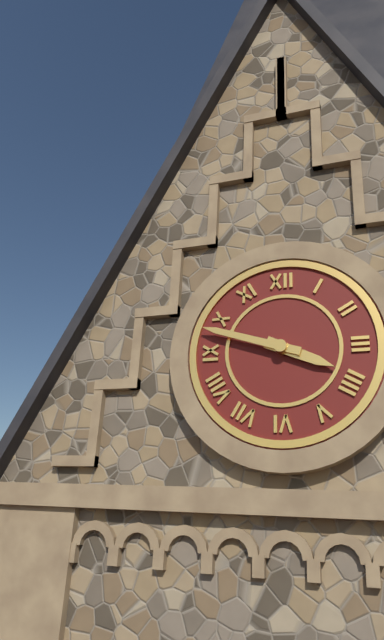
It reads 3 h 48 min
